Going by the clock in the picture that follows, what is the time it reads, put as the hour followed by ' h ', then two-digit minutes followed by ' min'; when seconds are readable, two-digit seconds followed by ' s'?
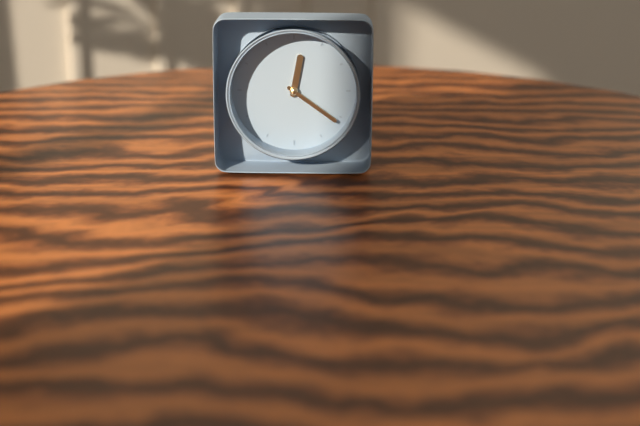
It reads 12 h 21 min
